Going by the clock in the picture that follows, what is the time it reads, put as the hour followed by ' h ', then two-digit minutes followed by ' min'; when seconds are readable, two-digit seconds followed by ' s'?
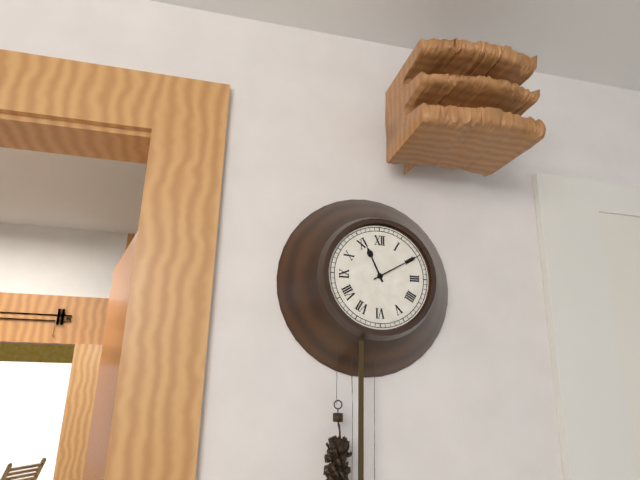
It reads 11 h 10 min
